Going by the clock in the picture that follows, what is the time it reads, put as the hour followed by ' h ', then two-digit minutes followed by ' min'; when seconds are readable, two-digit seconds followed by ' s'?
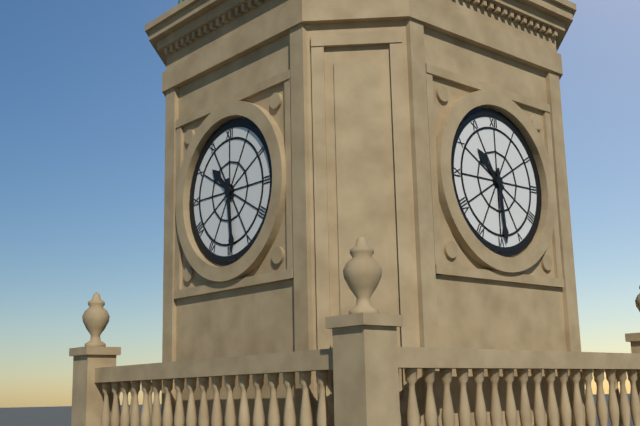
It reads 10 h 29 min
